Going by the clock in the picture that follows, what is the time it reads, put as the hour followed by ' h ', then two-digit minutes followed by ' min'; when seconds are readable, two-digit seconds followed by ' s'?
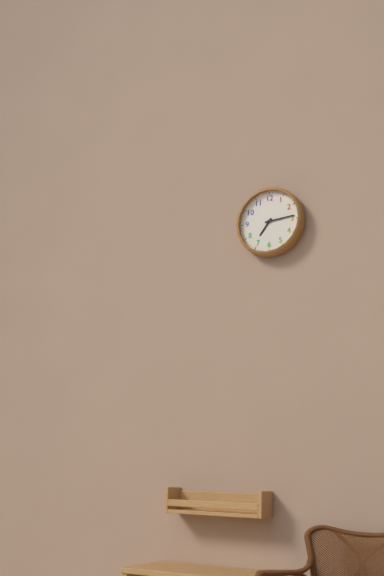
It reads 7 h 14 min
